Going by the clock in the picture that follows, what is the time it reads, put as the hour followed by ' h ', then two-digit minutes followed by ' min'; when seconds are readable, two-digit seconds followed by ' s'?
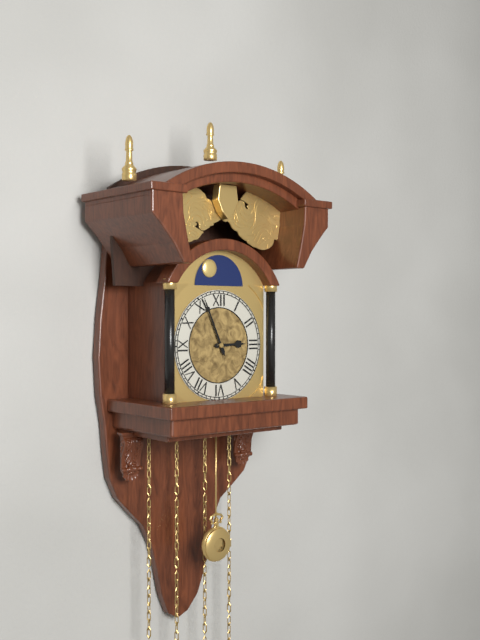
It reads 2 h 56 min
